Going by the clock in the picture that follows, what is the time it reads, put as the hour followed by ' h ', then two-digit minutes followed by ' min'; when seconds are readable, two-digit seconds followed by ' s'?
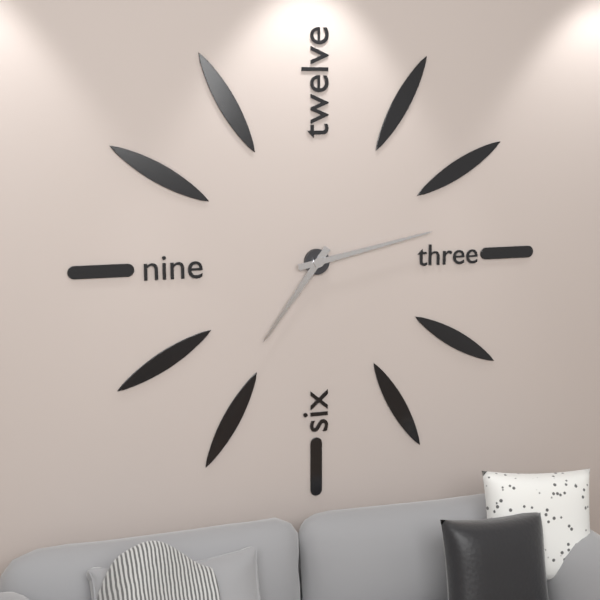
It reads 7 h 13 min
